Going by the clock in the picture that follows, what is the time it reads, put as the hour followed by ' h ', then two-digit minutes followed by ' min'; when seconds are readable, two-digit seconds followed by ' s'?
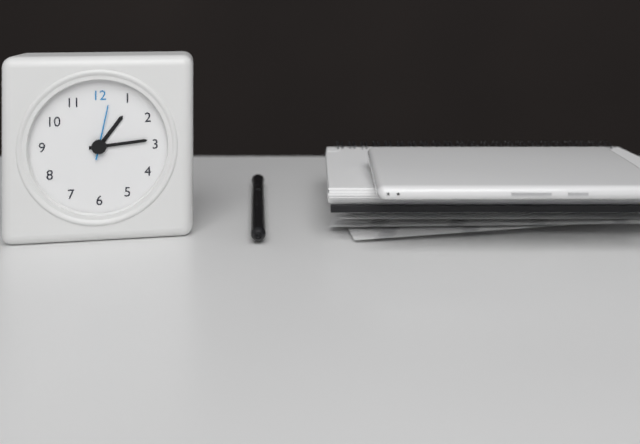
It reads 1 h 14 min 02 s
